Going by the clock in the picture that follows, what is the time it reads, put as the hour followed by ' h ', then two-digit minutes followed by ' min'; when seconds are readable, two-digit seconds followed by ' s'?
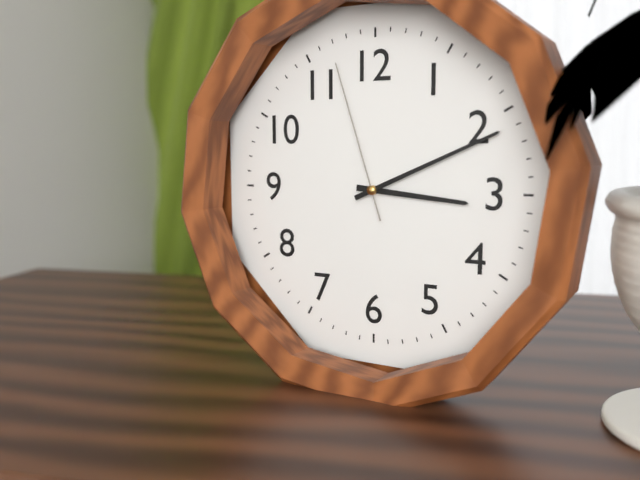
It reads 3 h 11 min 57 s
